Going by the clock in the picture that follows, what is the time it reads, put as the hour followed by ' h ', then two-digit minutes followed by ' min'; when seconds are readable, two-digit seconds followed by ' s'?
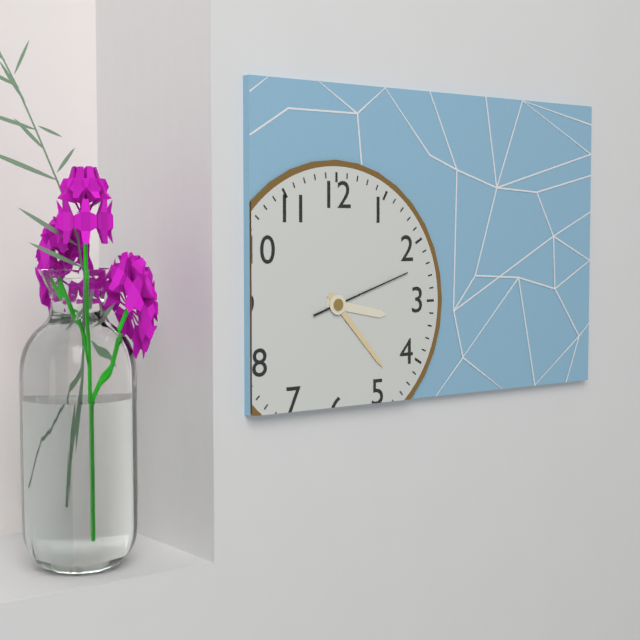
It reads 3 h 23 min 12 s
